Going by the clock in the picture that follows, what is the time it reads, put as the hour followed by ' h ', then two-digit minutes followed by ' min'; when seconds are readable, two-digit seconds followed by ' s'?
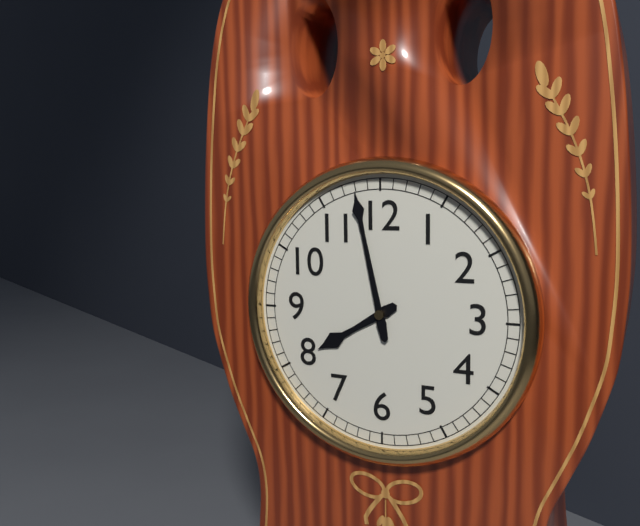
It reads 7 h 58 min
